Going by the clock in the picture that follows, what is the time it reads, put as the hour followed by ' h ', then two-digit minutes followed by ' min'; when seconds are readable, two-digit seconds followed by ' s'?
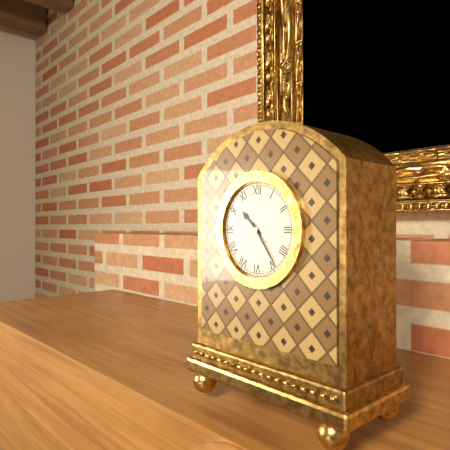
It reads 10 h 24 min
